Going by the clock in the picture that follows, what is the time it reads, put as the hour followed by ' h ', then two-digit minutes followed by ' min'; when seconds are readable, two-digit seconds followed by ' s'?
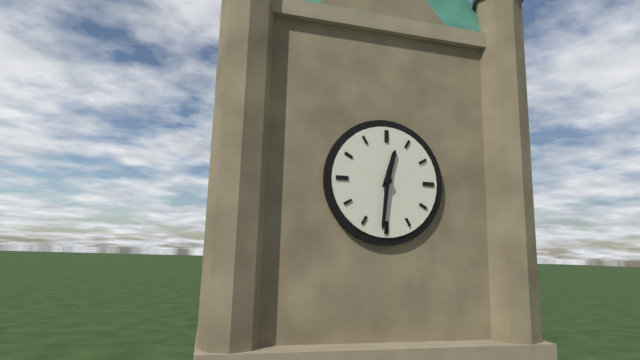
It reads 12 h 31 min
